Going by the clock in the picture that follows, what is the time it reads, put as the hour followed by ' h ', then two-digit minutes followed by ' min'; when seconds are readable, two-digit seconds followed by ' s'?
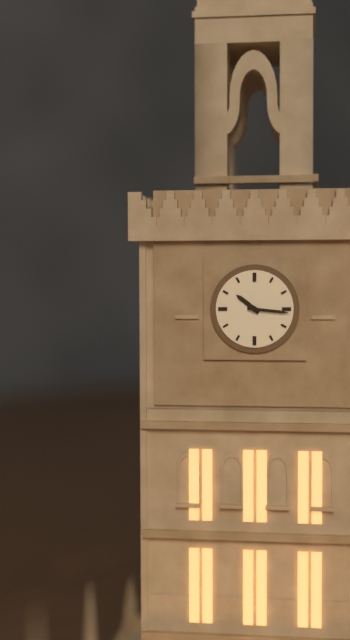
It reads 10 h 16 min
